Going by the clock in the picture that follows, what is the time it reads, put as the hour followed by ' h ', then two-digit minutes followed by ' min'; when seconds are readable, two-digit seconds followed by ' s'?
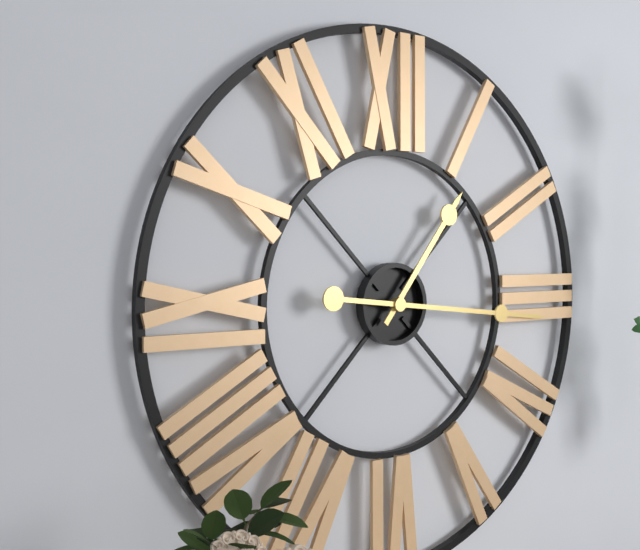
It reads 1 h 16 min
